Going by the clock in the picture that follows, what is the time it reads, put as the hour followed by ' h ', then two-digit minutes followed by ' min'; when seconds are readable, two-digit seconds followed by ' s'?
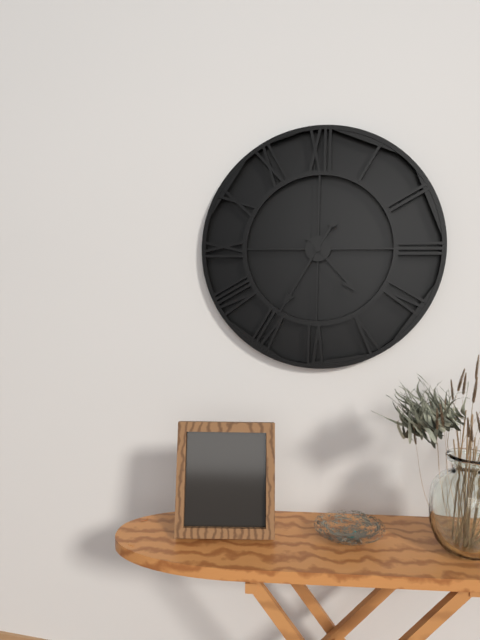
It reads 4 h 35 min
